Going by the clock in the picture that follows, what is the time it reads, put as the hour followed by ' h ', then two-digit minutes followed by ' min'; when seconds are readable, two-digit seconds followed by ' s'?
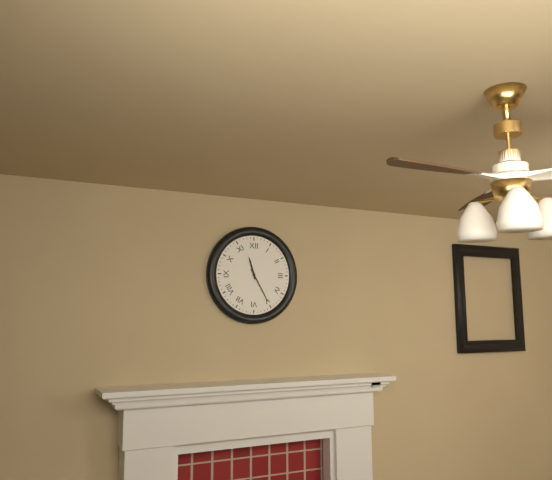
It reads 11 h 25 min
